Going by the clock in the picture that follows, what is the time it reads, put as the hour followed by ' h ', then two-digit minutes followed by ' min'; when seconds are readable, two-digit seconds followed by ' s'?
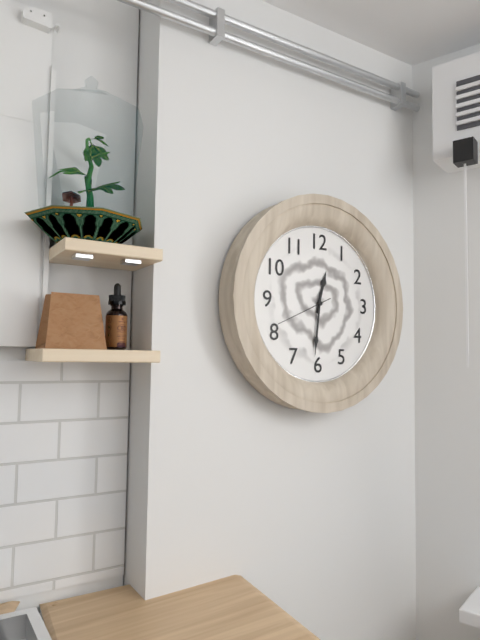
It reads 12 h 31 min 41 s
